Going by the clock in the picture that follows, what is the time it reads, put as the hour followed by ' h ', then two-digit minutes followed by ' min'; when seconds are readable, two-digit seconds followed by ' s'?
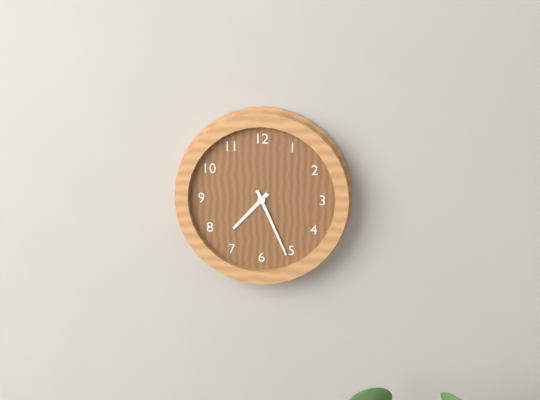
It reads 7 h 26 min
